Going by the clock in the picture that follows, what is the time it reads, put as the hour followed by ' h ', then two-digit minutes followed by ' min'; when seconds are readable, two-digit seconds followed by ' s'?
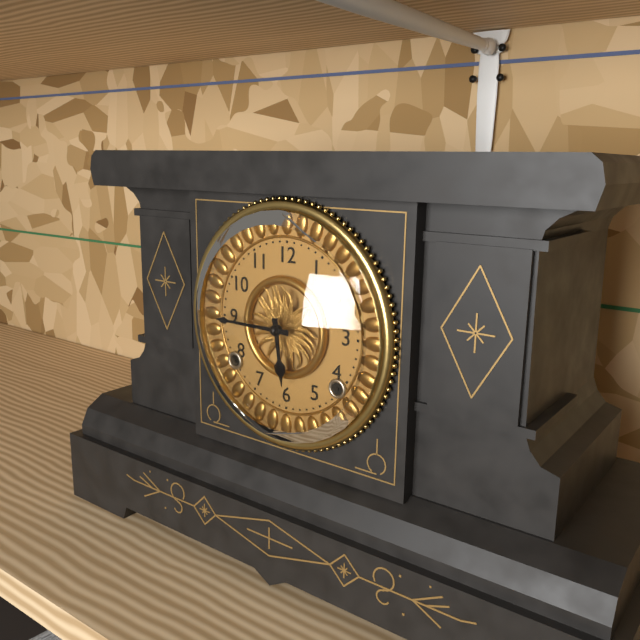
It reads 5 h 45 min
